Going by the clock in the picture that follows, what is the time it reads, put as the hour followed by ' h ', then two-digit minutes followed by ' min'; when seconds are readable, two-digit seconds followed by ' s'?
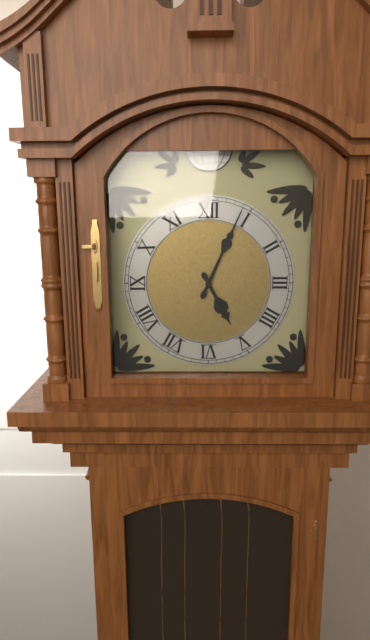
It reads 5 h 04 min
